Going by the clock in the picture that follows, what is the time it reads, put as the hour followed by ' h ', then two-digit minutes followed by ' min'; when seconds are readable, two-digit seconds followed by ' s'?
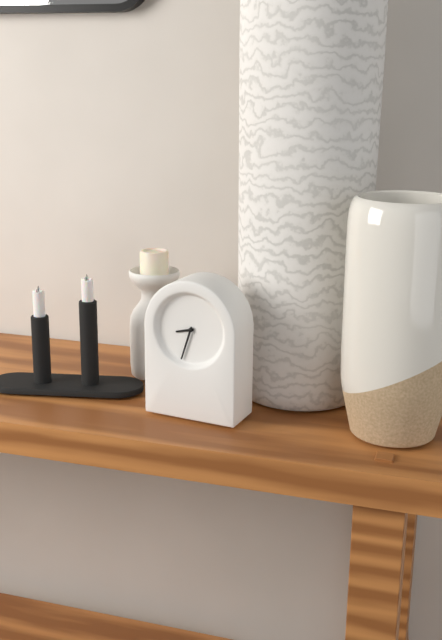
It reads 8 h 33 min
